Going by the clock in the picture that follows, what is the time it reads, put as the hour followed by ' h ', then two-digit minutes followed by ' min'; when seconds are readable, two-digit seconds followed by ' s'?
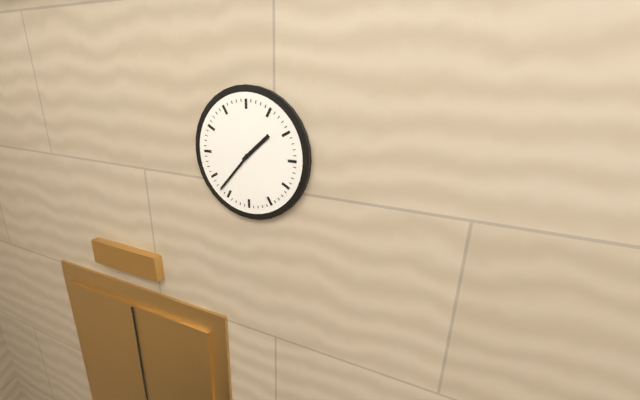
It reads 1 h 37 min
